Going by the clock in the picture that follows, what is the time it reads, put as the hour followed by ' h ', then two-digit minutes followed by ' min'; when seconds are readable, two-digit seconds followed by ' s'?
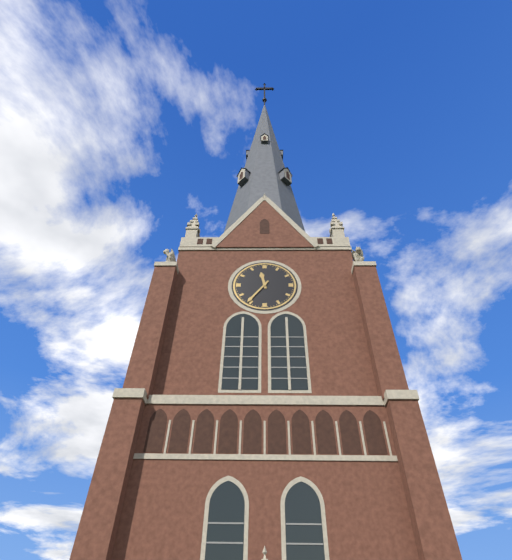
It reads 11 h 36 min
